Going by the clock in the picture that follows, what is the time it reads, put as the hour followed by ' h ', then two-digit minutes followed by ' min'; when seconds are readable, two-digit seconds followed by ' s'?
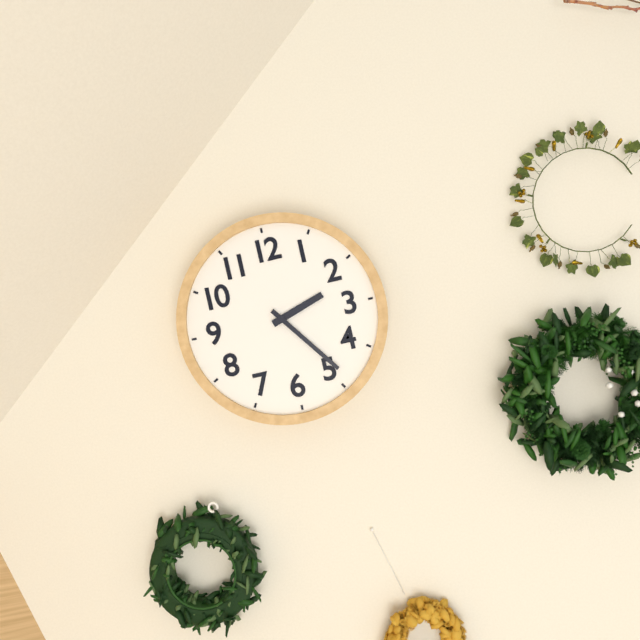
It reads 2 h 24 min
